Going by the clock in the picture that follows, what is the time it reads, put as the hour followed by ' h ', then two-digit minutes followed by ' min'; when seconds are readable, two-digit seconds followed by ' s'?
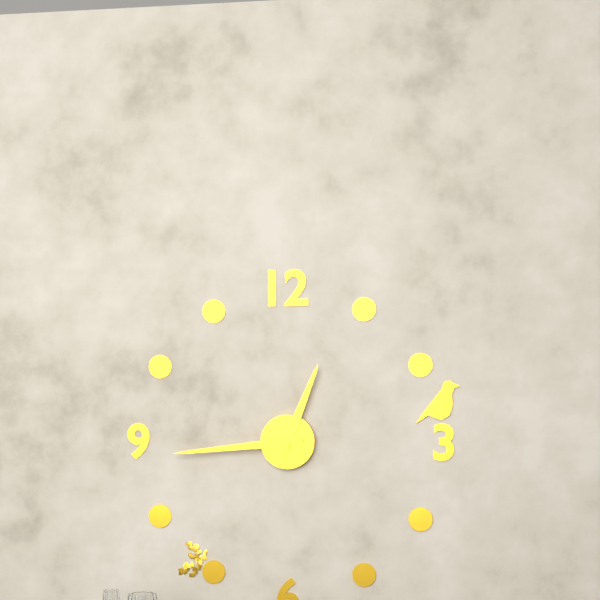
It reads 12 h 44 min
